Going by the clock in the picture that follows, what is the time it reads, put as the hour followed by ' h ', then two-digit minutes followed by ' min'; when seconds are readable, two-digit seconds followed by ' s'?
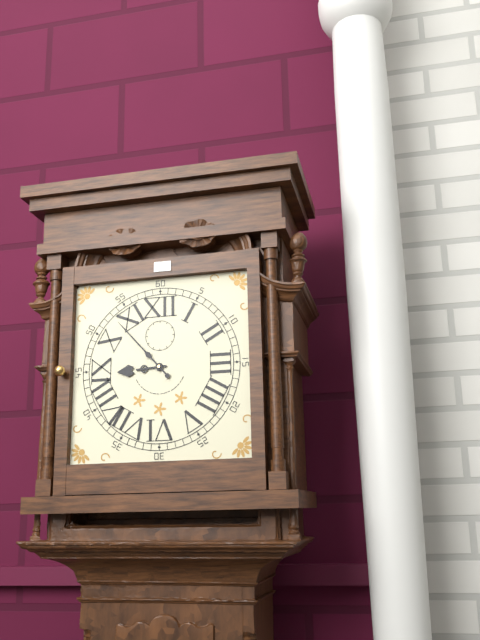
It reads 8 h 53 min
